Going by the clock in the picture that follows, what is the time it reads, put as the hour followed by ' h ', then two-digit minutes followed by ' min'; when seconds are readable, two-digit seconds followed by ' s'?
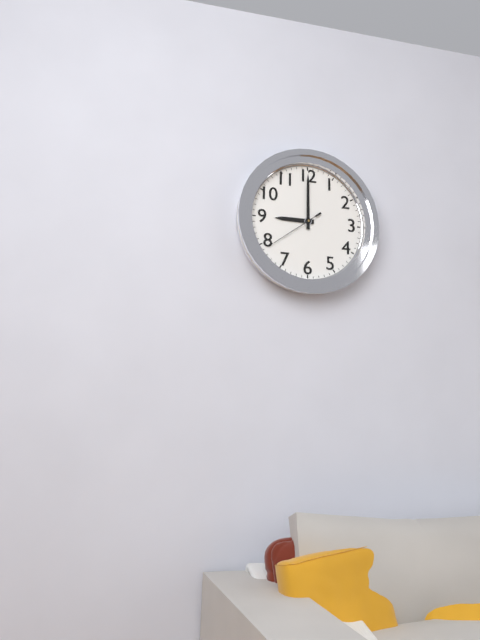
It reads 9 h 00 min 39 s
